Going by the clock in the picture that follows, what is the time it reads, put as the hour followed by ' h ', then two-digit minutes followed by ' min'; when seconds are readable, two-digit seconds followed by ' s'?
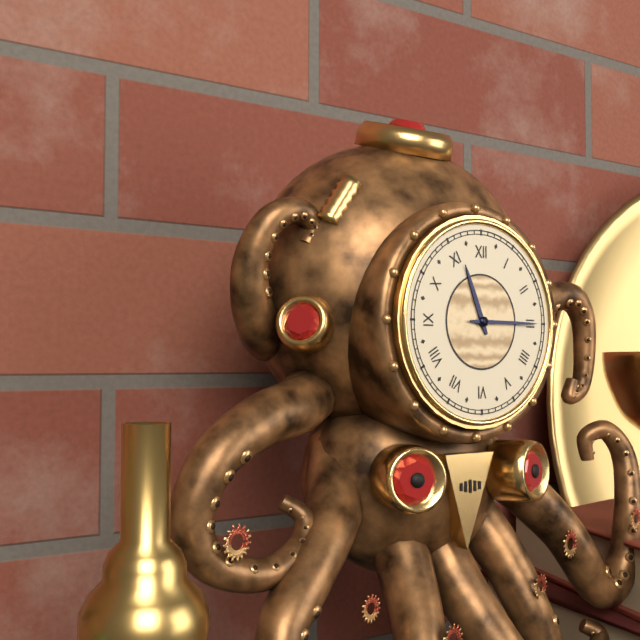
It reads 11 h 15 min
